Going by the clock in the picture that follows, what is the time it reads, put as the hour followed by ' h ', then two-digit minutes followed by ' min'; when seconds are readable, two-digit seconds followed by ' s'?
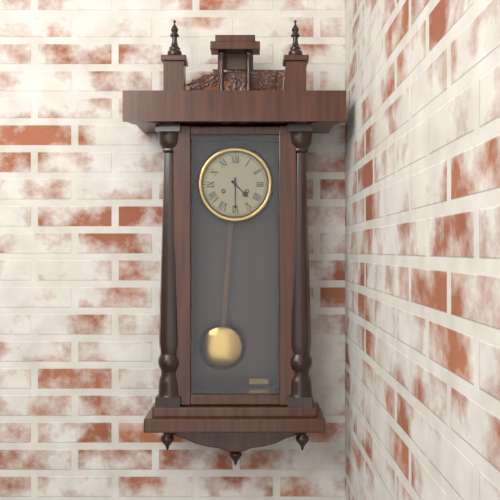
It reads 4 h 30 min
